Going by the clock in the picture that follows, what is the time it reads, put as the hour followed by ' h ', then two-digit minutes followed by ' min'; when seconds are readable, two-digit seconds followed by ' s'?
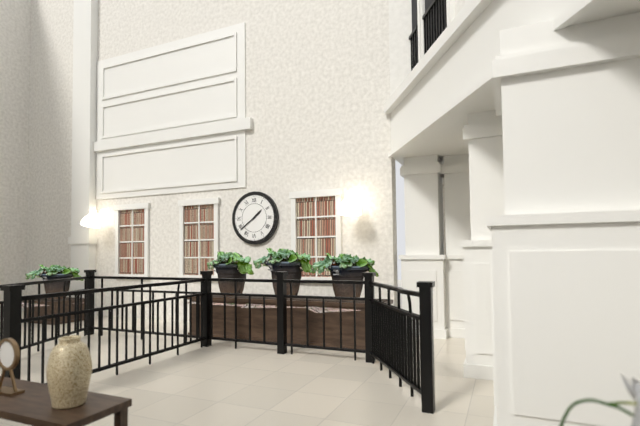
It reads 1 h 39 min
